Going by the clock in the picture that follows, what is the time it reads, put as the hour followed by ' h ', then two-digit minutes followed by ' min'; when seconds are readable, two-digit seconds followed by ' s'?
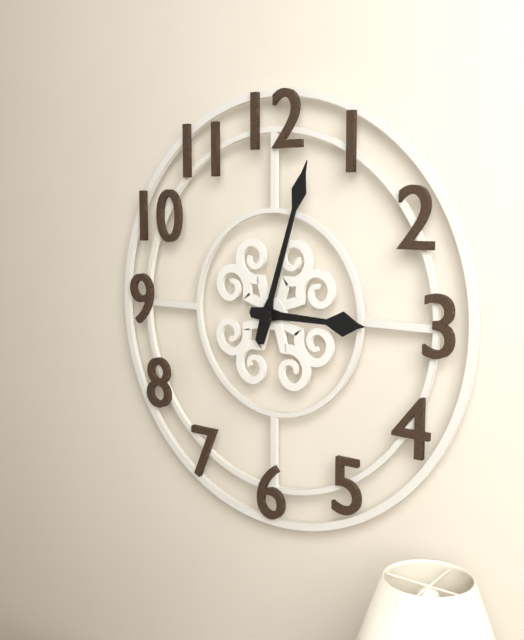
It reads 3 h 03 min
